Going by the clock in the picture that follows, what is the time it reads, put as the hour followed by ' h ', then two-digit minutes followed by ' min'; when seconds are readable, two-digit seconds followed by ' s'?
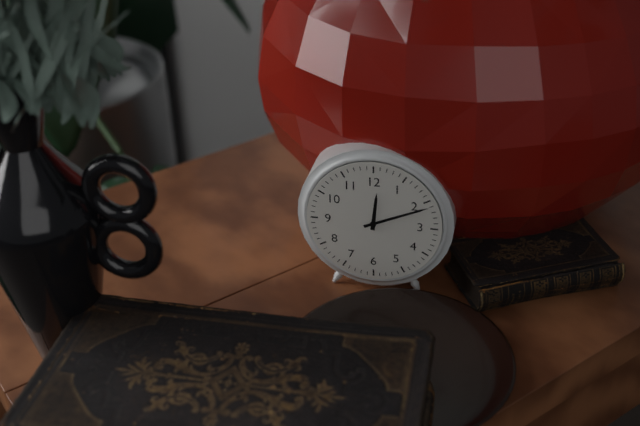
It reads 12 h 11 min
